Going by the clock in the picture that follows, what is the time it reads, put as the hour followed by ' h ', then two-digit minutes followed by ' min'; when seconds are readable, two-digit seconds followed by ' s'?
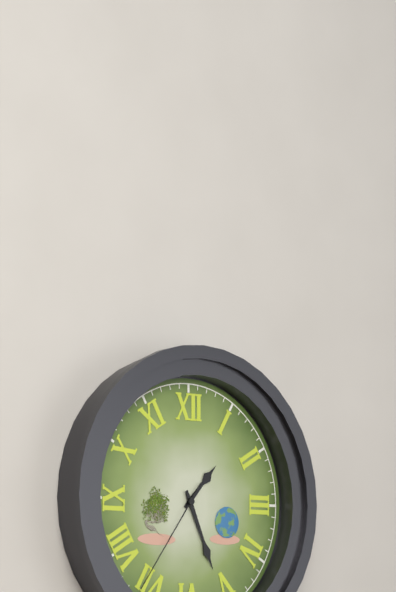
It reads 1 h 26 min 36 s
